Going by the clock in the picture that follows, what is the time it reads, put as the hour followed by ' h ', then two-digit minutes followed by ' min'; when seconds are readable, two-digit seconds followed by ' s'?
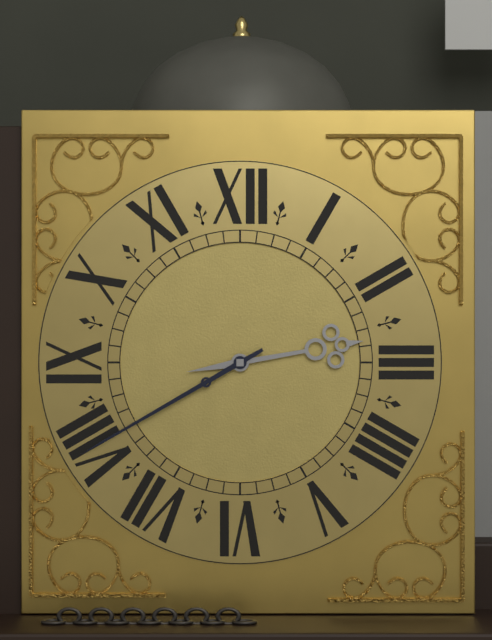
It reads 2 h 40 min
